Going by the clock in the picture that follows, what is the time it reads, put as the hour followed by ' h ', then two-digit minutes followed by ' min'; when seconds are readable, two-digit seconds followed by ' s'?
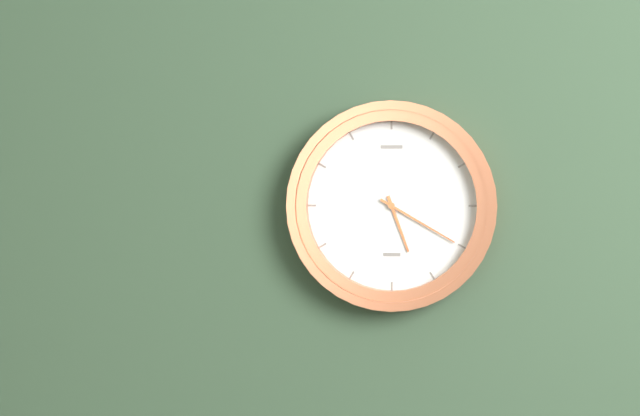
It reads 5 h 20 min
